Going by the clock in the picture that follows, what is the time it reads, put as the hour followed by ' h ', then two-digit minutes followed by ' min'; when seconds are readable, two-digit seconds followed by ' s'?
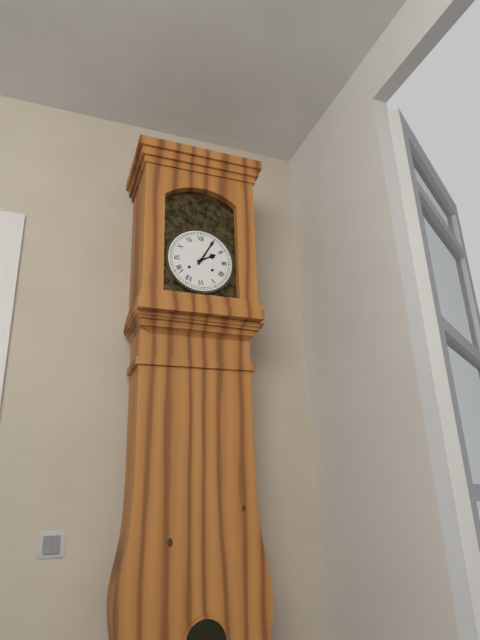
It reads 2 h 05 min
